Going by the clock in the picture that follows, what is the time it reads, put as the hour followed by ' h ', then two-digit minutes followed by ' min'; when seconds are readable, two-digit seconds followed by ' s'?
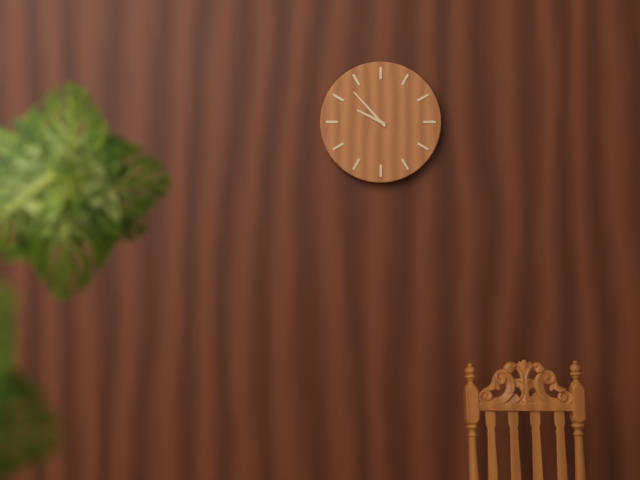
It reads 9 h 53 min
